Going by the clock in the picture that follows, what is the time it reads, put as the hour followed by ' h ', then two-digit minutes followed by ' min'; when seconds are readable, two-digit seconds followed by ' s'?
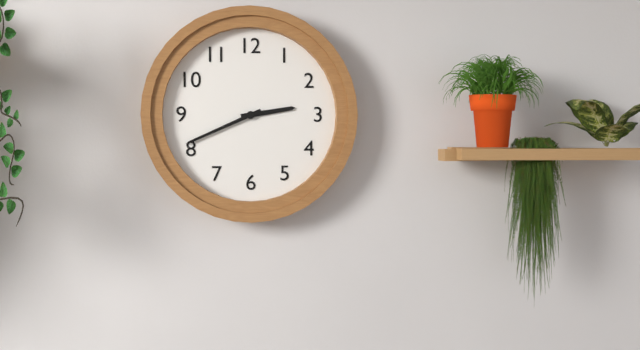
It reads 2 h 41 min
